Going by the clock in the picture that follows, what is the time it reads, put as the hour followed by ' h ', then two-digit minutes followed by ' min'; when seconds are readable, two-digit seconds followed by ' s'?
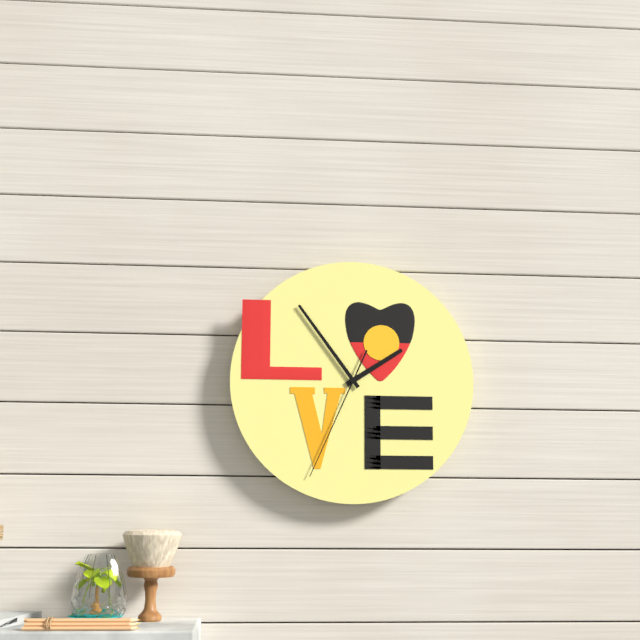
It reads 1 h 54 min 34 s
